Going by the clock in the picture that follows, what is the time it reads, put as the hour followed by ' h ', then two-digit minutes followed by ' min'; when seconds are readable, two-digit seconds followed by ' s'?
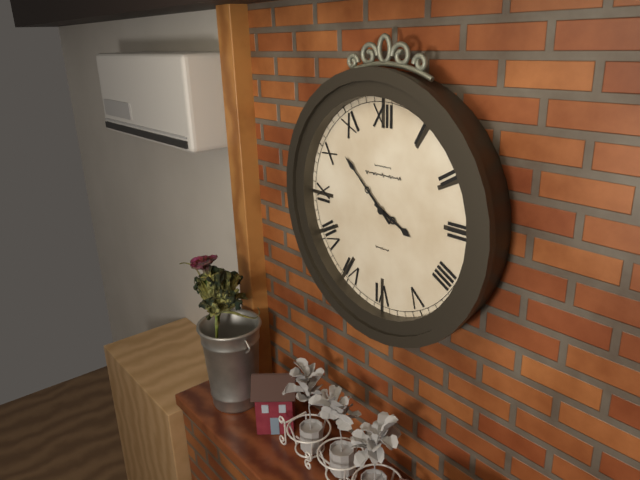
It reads 3 h 52 min
